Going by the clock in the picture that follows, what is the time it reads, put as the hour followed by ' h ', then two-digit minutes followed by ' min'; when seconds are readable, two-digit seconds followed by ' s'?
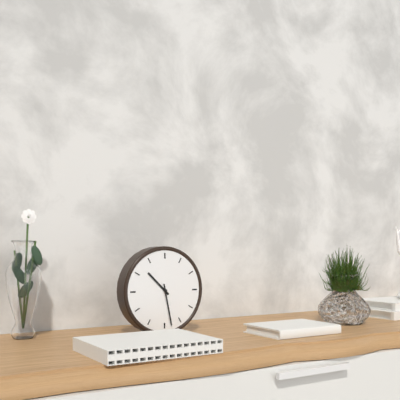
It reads 10 h 28 min
